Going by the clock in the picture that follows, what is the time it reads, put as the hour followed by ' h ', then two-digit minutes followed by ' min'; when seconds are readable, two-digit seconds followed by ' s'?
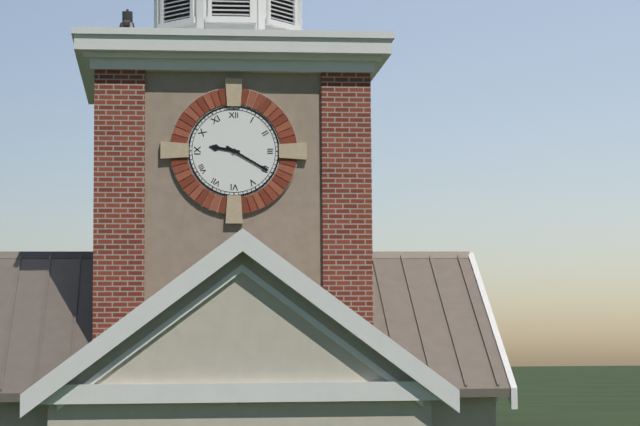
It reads 9 h 20 min
